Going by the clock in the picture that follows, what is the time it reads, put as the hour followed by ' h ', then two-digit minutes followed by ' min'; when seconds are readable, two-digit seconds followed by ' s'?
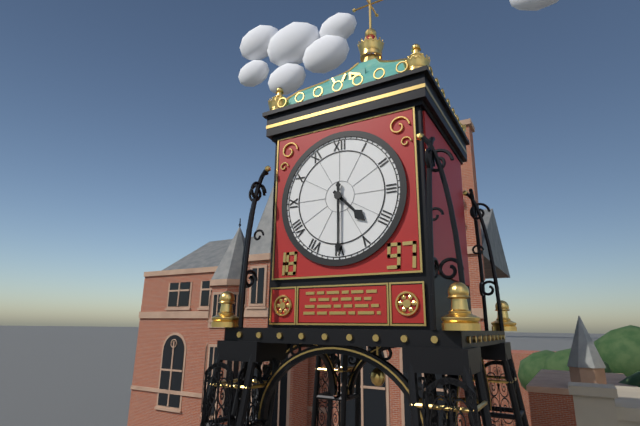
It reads 4 h 30 min
